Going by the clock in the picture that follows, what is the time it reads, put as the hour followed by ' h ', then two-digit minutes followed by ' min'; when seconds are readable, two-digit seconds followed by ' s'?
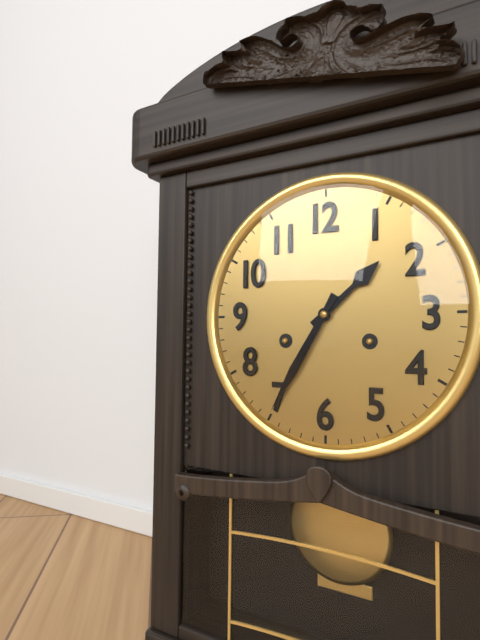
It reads 1 h 35 min
